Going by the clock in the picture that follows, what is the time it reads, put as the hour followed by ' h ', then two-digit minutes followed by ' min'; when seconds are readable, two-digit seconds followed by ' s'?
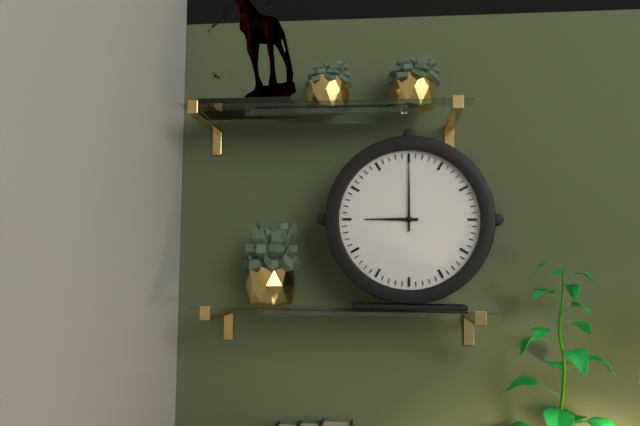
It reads 9 h 00 min
